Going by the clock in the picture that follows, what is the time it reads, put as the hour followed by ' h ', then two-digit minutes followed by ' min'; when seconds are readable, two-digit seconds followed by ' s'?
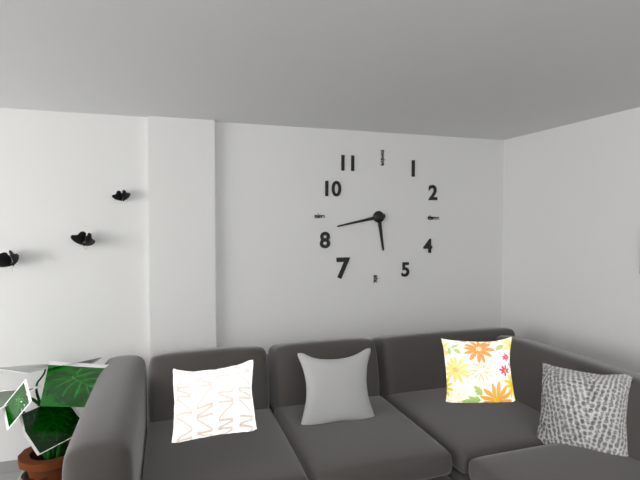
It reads 5 h 43 min
